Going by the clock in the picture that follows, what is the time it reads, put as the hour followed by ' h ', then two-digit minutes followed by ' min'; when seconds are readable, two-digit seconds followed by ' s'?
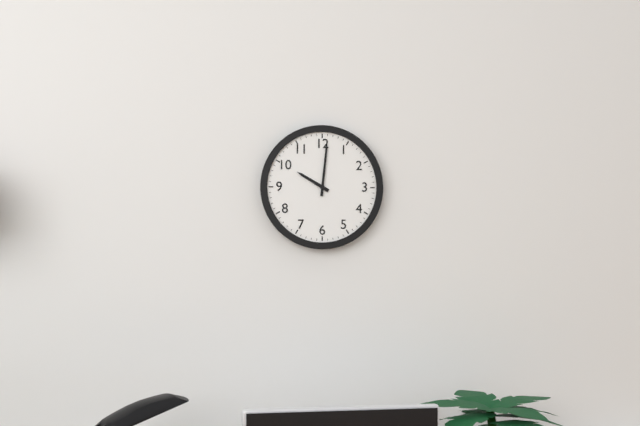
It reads 10 h 01 min
